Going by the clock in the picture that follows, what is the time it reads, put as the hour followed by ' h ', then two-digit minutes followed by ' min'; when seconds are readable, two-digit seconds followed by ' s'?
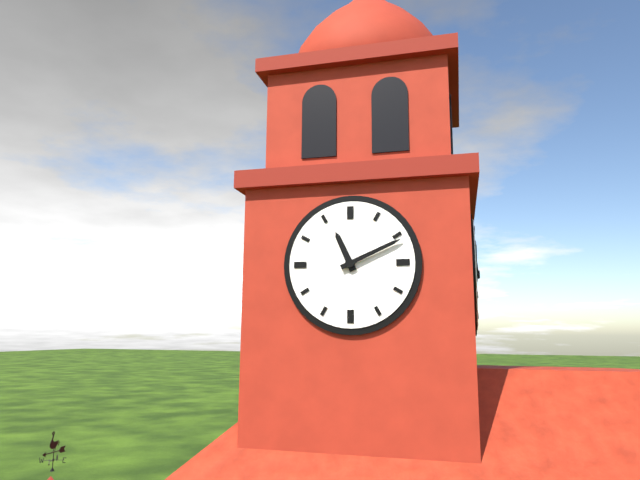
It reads 11 h 11 min
